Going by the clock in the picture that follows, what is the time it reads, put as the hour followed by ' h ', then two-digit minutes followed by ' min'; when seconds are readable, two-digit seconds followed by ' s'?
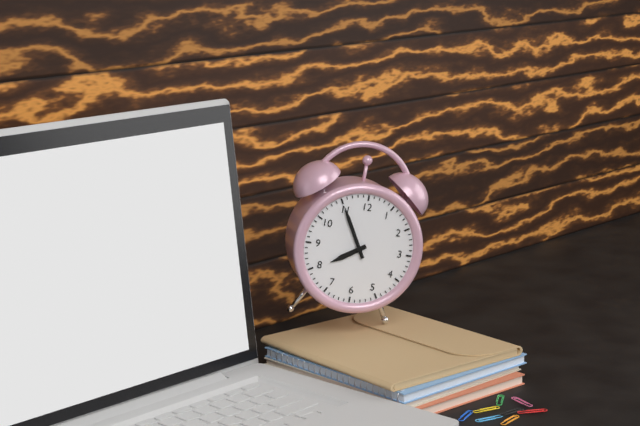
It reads 7 h 55 min
